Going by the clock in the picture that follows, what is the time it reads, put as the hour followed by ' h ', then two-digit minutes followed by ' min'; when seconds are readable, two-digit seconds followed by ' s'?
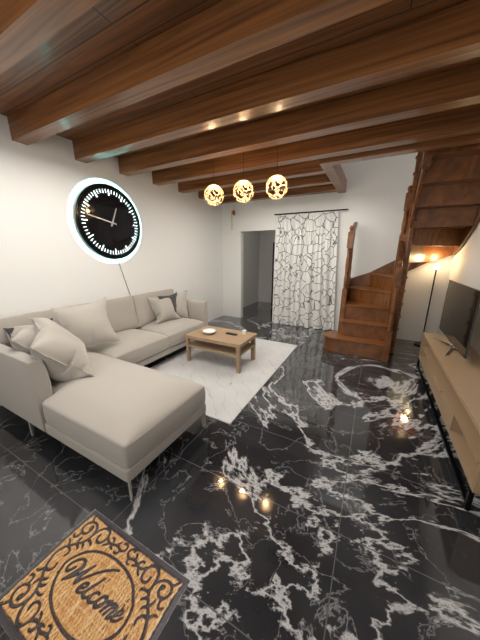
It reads 12 h 47 min
